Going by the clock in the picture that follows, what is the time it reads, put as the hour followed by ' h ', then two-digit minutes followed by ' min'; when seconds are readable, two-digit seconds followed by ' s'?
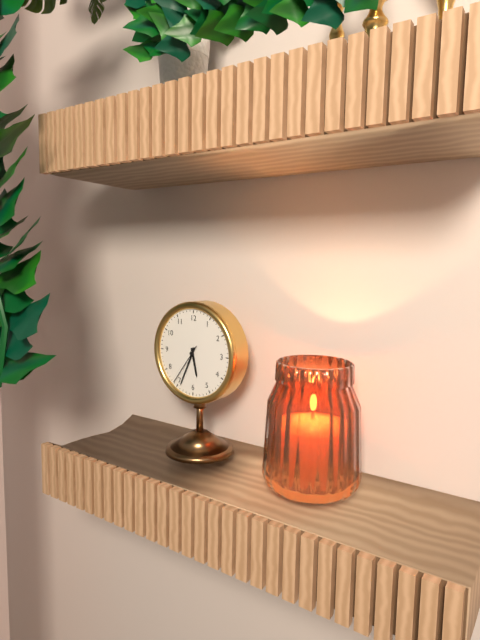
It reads 5 h 34 min
